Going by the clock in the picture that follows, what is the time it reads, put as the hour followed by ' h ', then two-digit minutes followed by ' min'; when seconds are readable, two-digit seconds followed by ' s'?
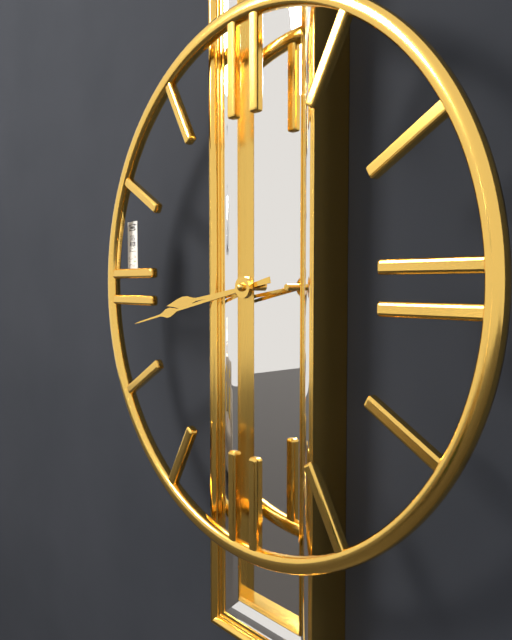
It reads 8 h 43 min
